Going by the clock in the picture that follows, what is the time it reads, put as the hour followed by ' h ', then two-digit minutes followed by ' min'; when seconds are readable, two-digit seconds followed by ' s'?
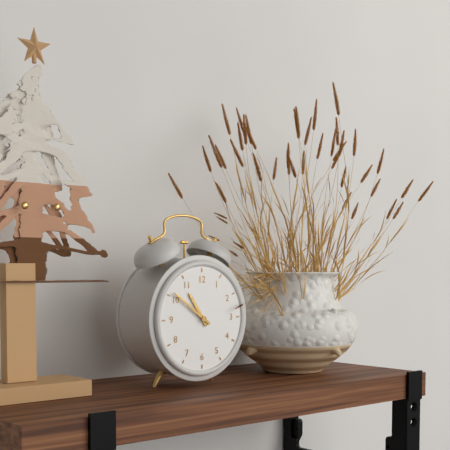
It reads 10 h 51 min
